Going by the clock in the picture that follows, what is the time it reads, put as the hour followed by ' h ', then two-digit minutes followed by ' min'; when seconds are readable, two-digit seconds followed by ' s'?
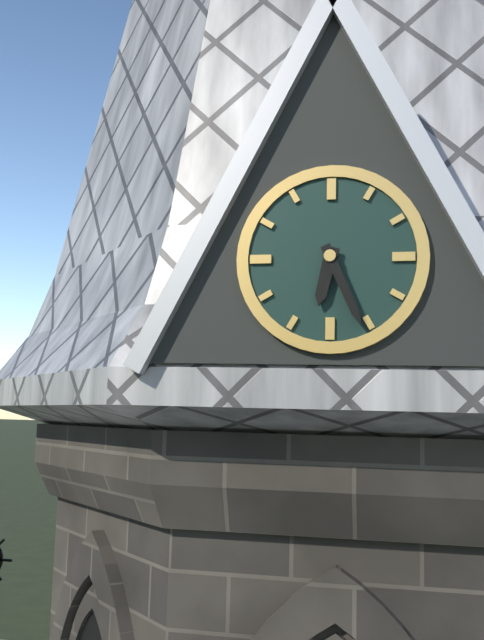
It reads 6 h 26 min
